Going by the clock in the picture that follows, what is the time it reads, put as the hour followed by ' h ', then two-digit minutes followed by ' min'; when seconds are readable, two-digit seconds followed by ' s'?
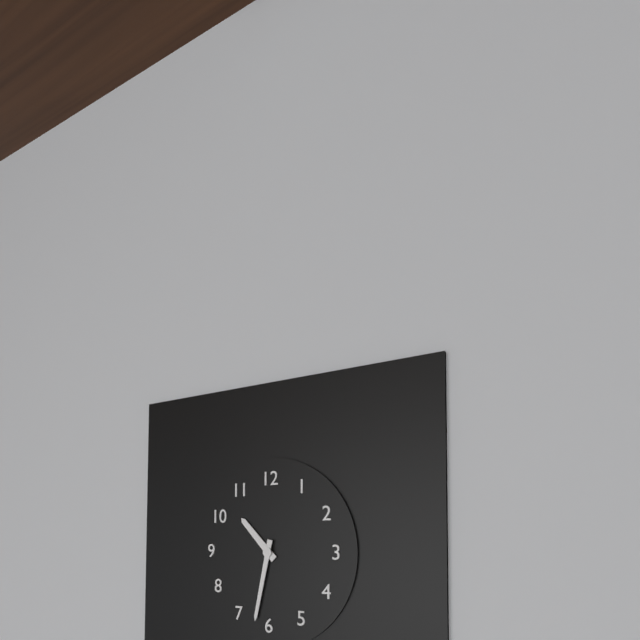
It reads 10 h 32 min
